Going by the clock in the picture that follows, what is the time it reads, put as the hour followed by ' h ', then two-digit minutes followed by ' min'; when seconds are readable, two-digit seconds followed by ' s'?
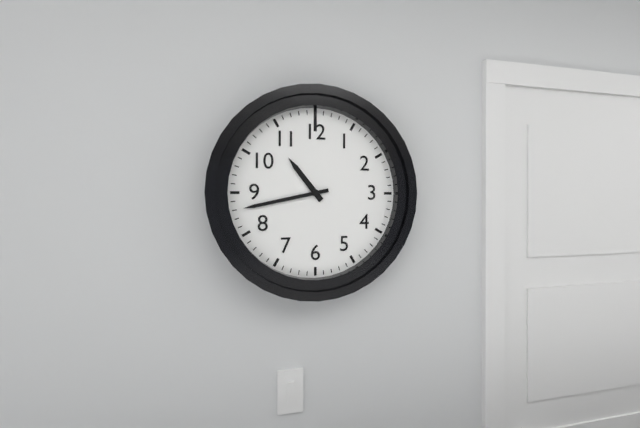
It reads 10 h 43 min
